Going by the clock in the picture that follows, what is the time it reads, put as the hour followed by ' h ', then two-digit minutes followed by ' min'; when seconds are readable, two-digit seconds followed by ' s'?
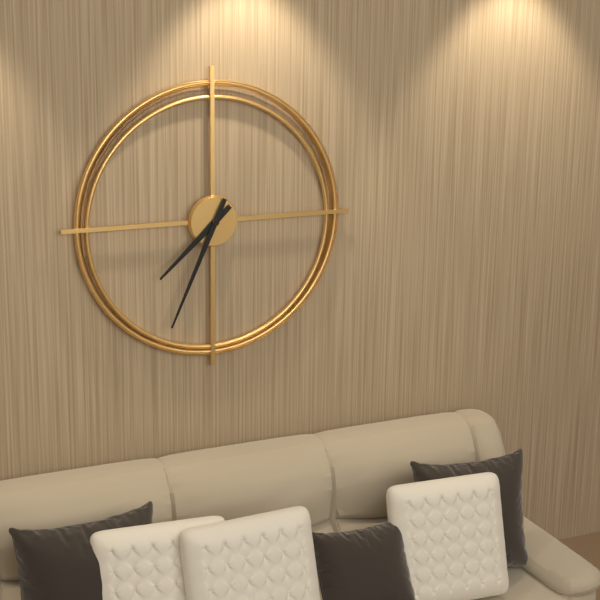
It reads 7 h 34 min
